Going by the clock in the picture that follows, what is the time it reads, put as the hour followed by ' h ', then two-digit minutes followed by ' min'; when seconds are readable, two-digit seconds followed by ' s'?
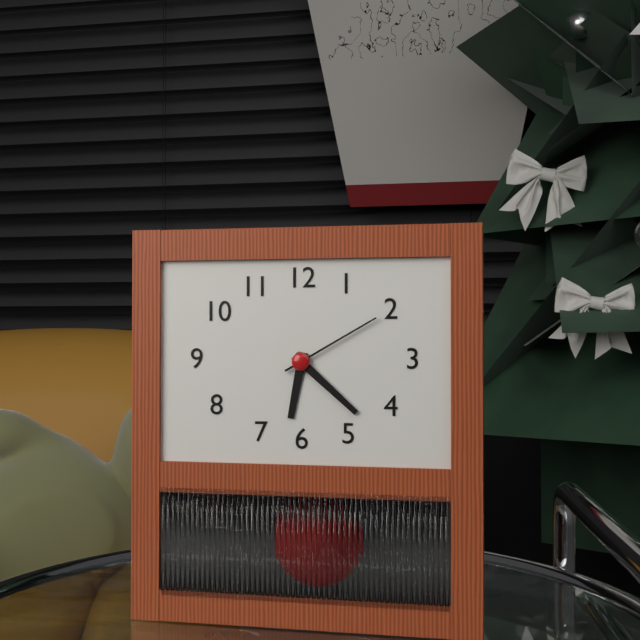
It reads 6 h 22 min 10 s
